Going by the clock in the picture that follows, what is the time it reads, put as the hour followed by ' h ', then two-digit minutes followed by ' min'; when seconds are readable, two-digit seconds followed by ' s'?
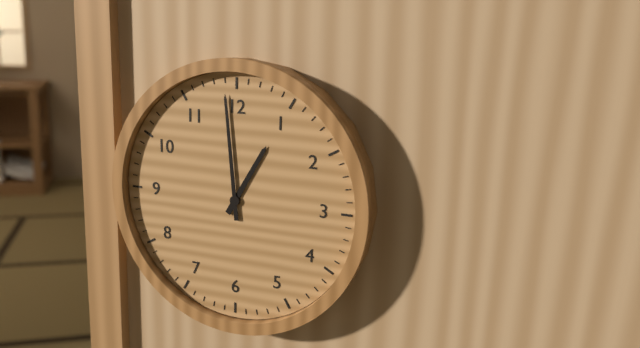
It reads 12 h 59 min
